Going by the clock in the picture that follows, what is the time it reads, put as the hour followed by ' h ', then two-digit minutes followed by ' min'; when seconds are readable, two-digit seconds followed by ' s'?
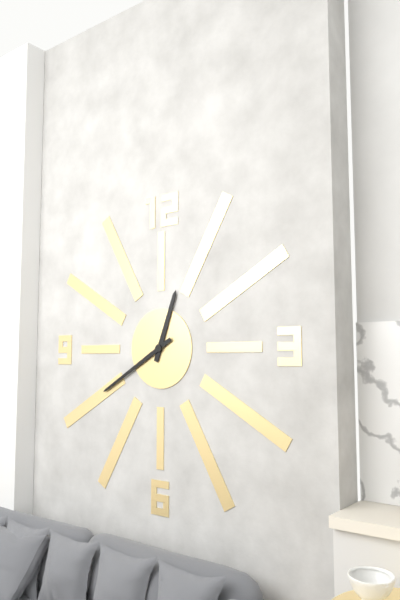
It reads 12 h 40 min
